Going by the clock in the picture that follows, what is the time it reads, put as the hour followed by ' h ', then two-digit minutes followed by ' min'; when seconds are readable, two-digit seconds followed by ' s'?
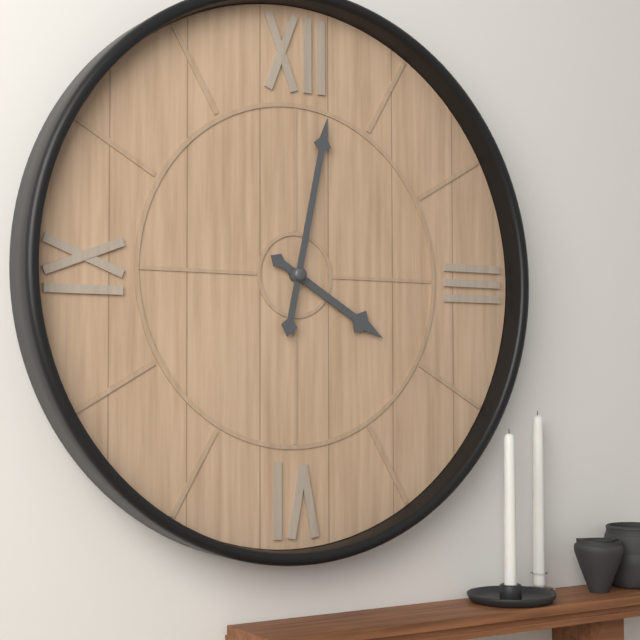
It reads 4 h 02 min
